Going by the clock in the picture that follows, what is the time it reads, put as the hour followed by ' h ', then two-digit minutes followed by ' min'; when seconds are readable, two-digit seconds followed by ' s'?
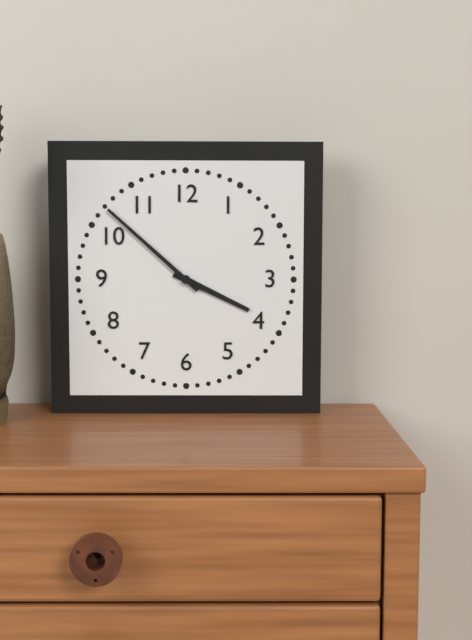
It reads 3 h 52 min
